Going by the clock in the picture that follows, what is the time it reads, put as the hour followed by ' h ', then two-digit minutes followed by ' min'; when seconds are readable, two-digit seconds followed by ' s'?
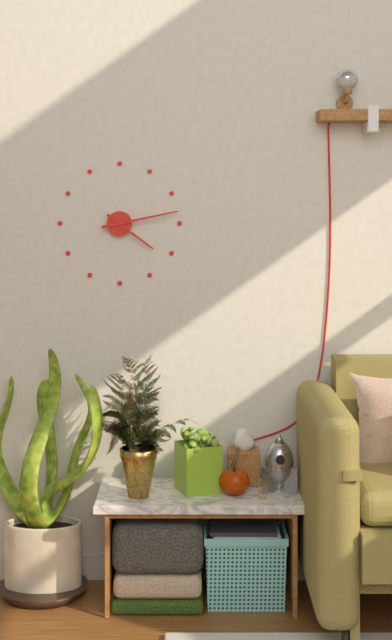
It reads 4 h 13 min
